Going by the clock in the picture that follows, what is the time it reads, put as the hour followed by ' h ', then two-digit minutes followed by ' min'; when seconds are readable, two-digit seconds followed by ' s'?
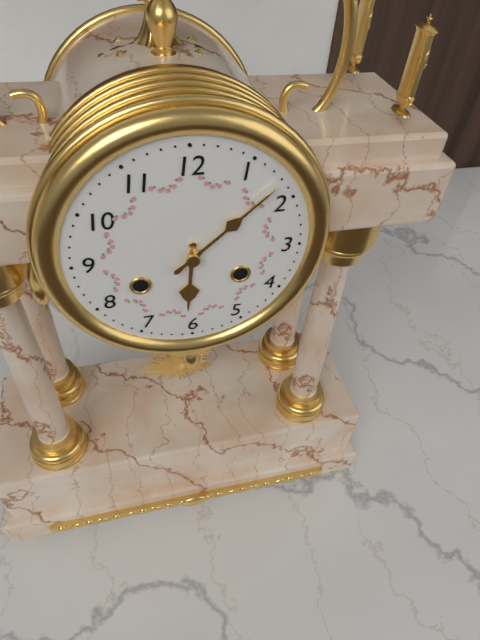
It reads 6 h 08 min
